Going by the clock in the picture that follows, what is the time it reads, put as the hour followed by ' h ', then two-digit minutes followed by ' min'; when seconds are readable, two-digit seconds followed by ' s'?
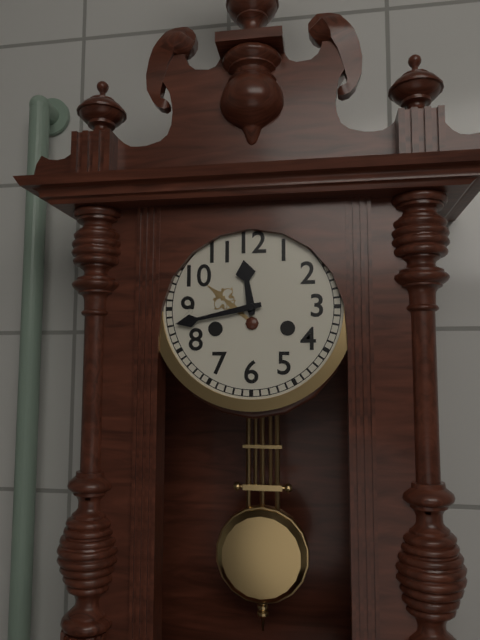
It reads 11 h 43 min
